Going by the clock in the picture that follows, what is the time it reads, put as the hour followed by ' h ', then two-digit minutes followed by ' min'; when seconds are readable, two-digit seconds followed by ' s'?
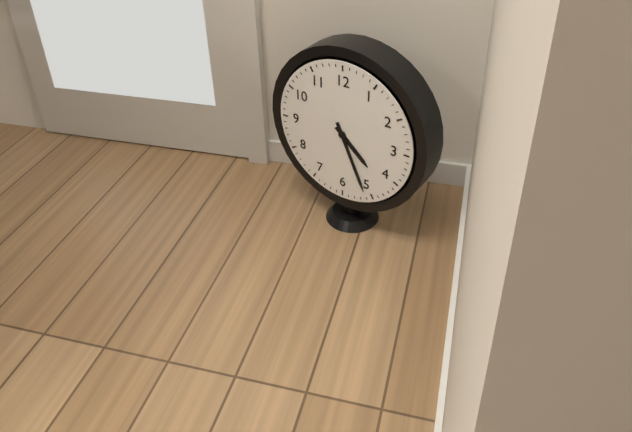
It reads 4 h 26 min
